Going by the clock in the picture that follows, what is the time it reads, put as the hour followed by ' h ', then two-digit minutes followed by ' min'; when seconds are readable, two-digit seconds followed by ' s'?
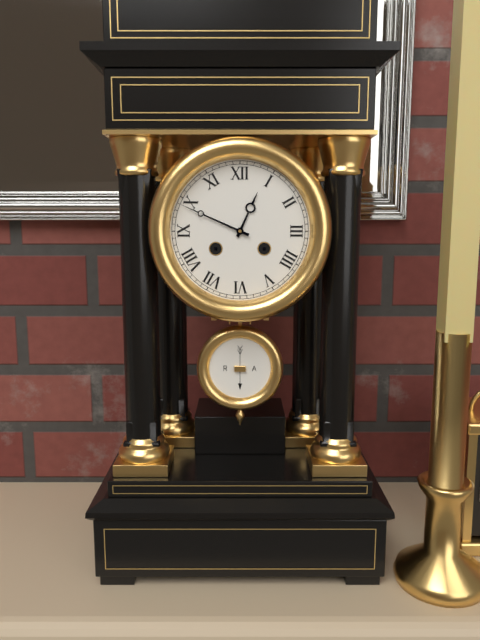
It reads 12 h 49 min
